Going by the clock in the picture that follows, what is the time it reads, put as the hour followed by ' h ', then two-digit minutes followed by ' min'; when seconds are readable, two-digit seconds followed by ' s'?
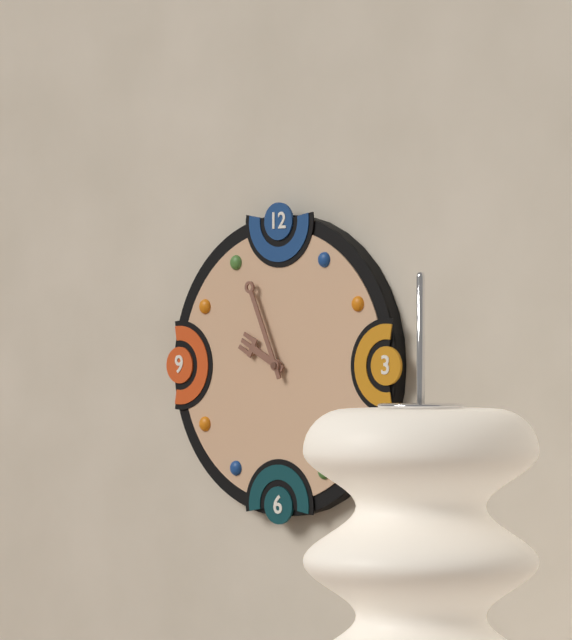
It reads 9 h 56 min
